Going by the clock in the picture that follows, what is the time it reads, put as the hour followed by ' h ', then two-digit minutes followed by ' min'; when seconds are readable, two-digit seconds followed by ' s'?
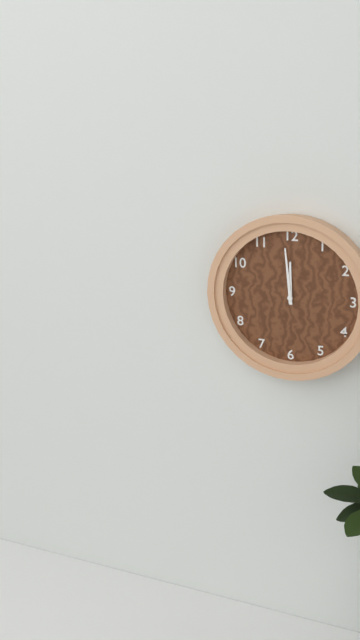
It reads 11 h 59 min
